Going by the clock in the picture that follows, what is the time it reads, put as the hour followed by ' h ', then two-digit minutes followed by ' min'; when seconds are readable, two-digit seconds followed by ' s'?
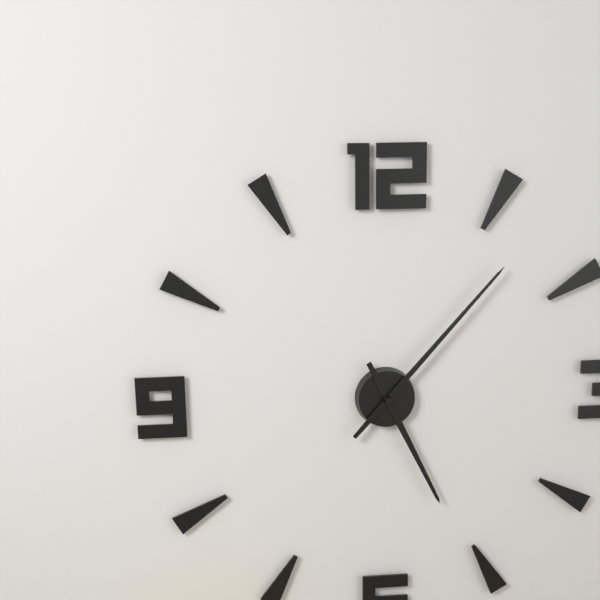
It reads 5 h 07 min
